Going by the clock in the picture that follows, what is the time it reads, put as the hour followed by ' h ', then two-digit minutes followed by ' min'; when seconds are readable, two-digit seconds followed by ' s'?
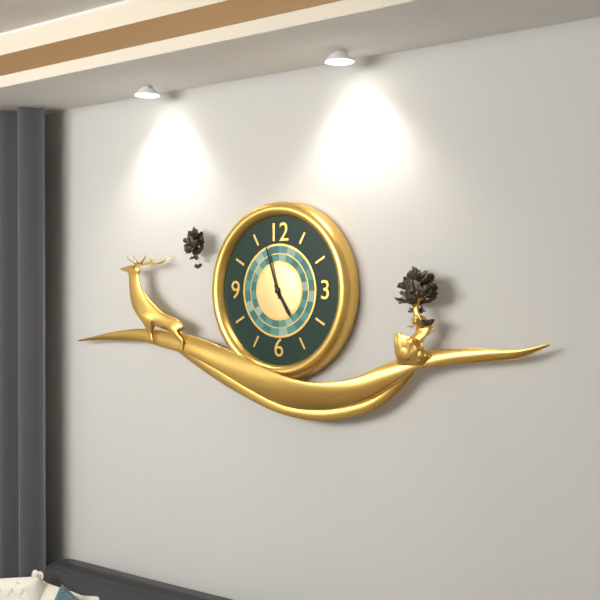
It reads 4 h 57 min
